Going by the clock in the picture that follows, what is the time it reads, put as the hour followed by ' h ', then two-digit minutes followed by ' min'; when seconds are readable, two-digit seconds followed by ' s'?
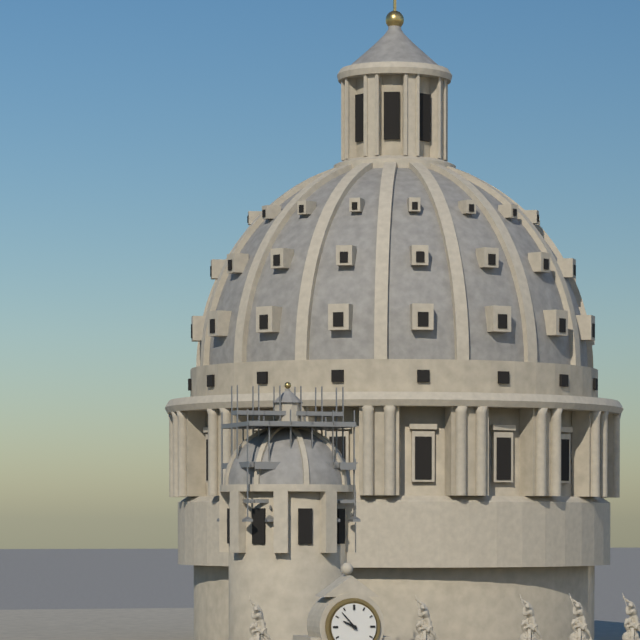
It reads 9 h 53 min
